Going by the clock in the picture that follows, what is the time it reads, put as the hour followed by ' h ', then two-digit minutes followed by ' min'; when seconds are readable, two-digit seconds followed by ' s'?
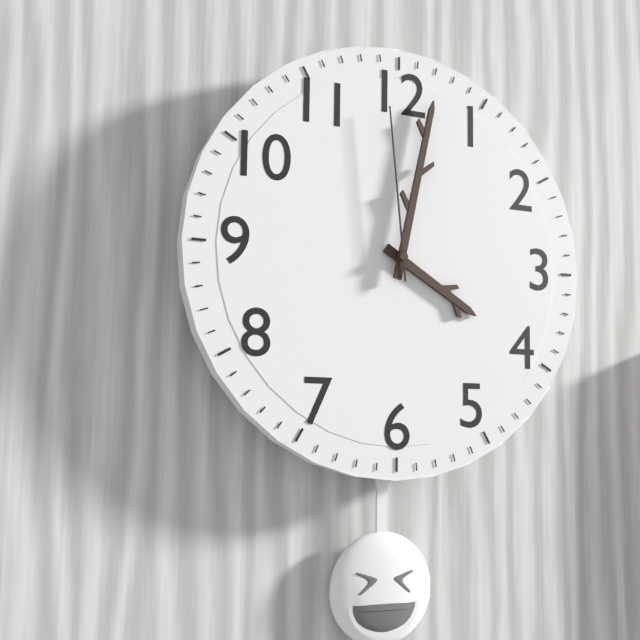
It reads 4 h 02 min 59 s
